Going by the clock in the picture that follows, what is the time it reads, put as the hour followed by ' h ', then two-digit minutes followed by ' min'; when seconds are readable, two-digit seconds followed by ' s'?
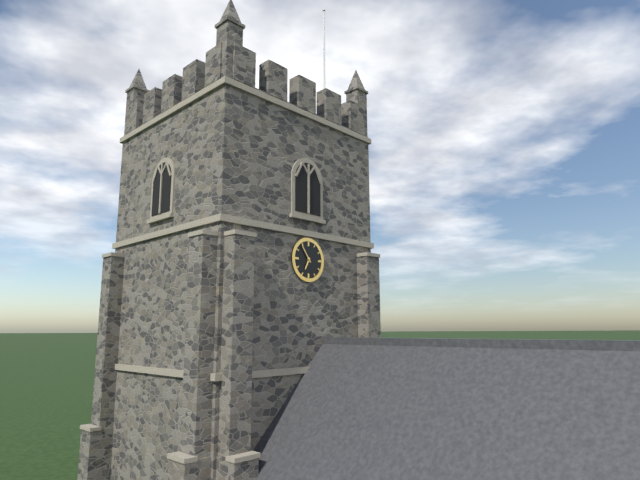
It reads 6 h 54 min
